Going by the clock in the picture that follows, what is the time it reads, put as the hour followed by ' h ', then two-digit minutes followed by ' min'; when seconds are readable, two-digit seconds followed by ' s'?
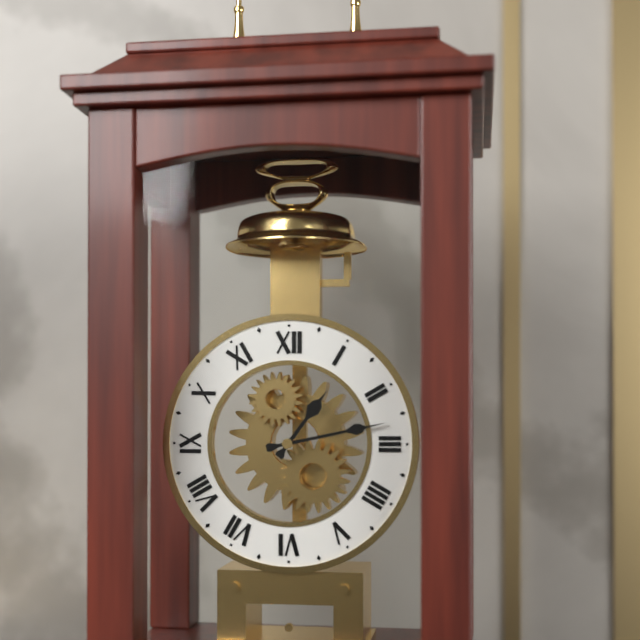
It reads 1 h 13 min
